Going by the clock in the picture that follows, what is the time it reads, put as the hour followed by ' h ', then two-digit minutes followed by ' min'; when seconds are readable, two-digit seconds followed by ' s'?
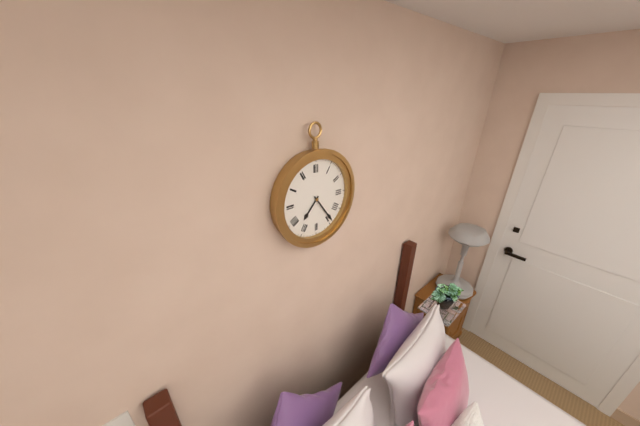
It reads 7 h 24 min
